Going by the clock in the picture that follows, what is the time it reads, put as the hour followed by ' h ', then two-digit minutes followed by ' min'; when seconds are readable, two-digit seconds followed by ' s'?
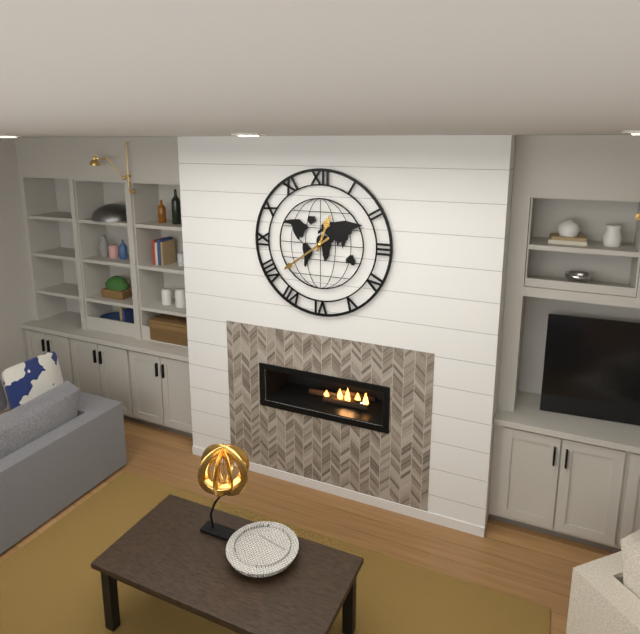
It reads 12 h 39 min
